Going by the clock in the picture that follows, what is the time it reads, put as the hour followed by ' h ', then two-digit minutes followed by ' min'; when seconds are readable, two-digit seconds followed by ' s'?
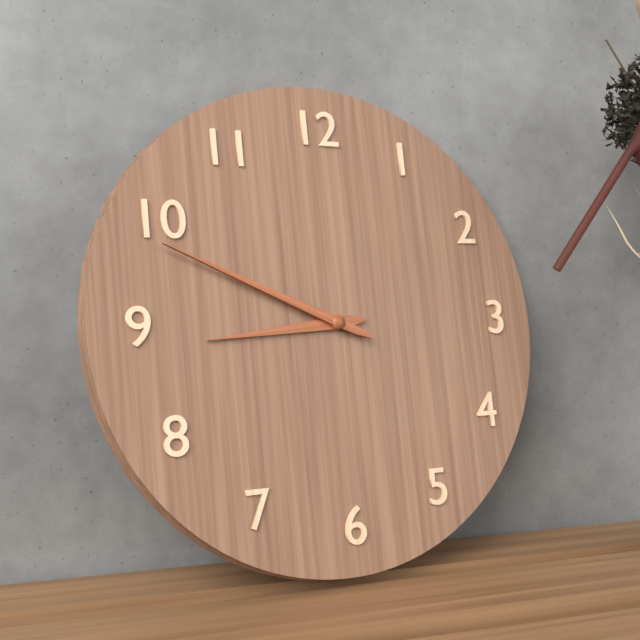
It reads 8 h 49 min
